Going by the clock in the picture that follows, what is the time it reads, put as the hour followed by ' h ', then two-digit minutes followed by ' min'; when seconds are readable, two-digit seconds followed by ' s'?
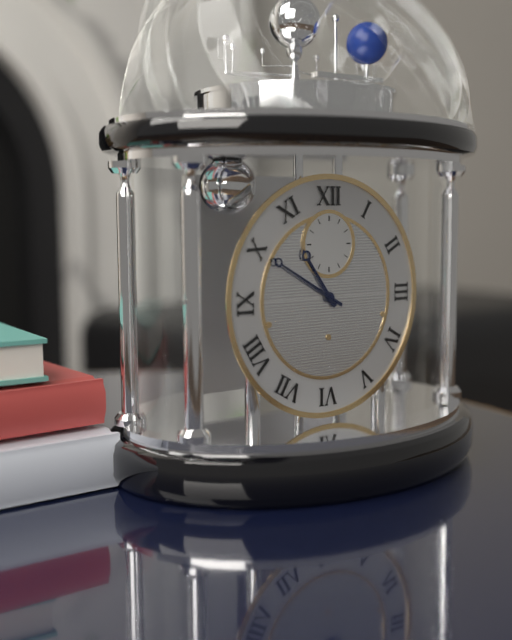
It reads 10 h 50 min
